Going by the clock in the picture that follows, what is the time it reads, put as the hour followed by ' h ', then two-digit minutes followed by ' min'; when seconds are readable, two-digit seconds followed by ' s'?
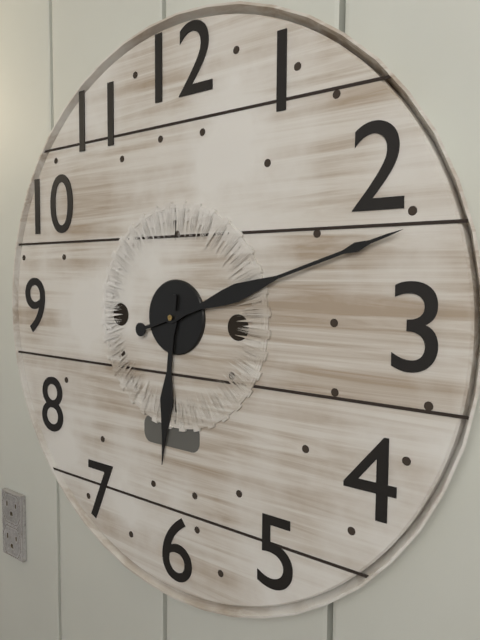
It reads 6 h 12 min
